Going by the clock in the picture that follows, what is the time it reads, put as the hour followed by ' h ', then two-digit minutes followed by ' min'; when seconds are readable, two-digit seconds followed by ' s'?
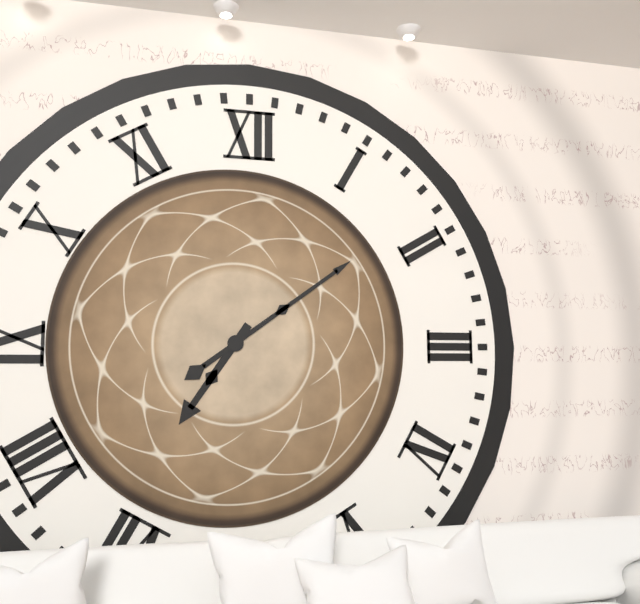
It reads 7 h 09 min
